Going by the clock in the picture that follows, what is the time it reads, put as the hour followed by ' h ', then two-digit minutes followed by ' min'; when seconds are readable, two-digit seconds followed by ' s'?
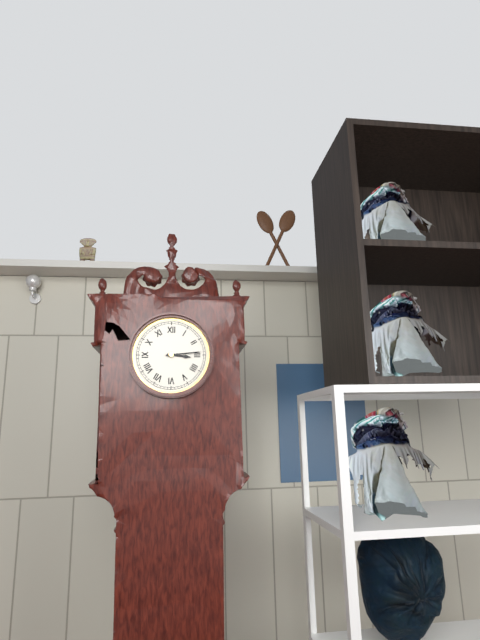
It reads 3 h 14 min
